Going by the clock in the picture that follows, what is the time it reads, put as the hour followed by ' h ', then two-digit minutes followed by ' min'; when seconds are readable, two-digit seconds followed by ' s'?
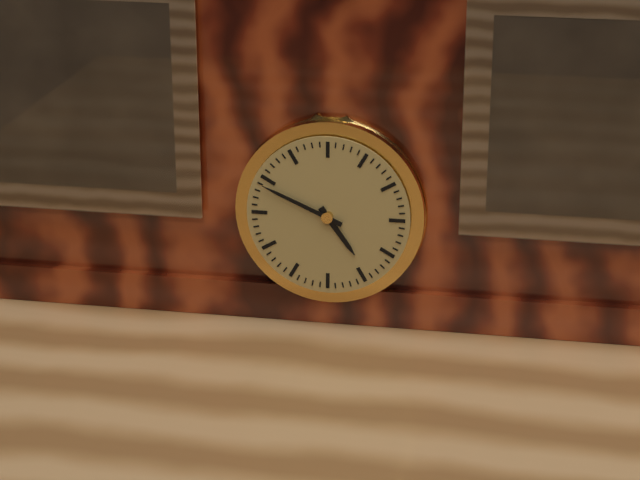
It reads 4 h 49 min
